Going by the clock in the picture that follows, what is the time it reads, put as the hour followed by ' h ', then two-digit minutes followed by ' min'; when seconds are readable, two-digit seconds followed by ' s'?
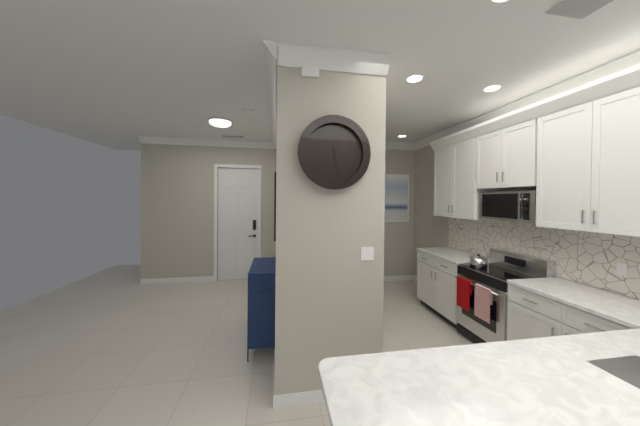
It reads 7 h 28 min
